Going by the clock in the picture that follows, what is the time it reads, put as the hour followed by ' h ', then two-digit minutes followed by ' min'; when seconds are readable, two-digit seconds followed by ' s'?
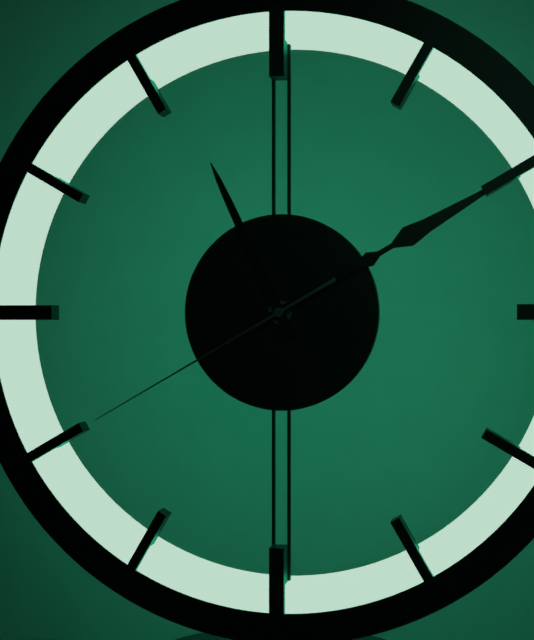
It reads 11 h 10 min 40 s
